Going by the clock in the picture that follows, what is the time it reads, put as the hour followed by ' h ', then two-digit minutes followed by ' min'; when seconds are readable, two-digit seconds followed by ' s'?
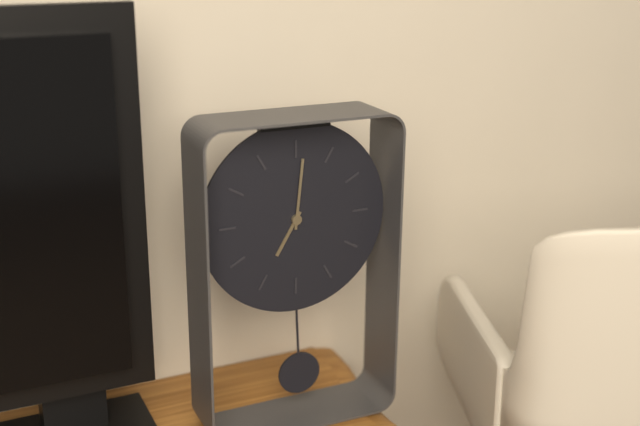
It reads 7 h 01 min
